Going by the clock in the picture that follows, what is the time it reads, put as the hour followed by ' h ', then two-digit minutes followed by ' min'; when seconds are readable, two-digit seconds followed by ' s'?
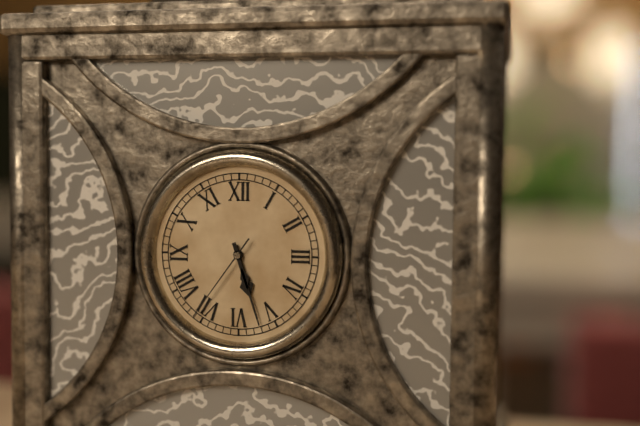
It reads 5 h 27 min 36 s
